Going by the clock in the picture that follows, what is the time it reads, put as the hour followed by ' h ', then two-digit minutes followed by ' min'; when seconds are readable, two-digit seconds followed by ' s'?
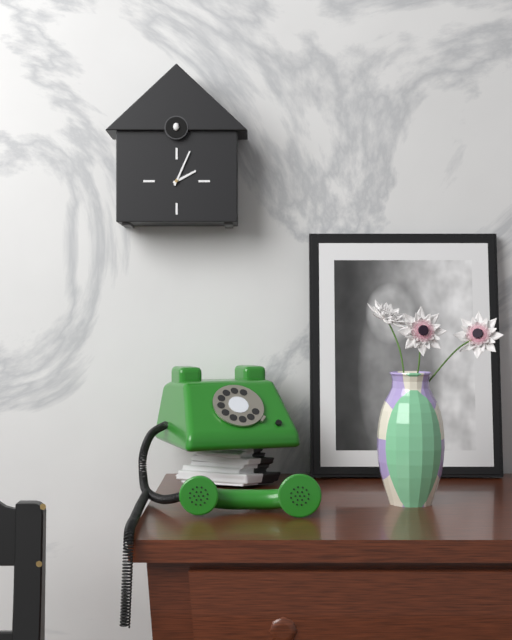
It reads 2 h 04 min
